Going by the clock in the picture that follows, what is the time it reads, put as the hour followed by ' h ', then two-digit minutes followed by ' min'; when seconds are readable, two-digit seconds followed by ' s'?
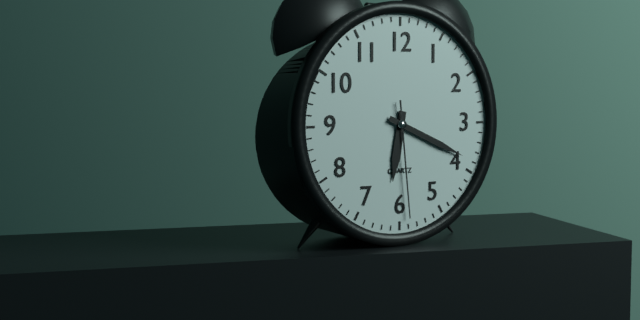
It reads 6 h 19 min 29 s
